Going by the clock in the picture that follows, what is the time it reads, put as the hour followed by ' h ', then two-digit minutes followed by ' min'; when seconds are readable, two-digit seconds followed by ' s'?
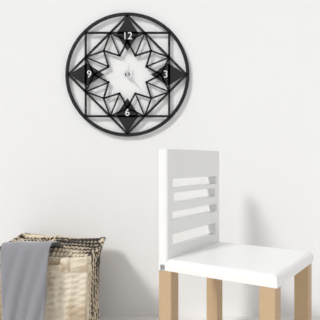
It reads 12 h 23 min
